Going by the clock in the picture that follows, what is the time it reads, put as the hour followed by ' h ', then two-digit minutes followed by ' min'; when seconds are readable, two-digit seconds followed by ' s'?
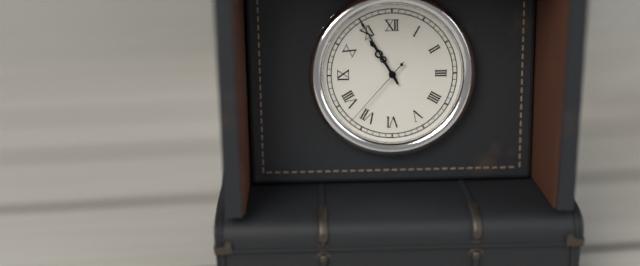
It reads 10 h 55 min 37 s
